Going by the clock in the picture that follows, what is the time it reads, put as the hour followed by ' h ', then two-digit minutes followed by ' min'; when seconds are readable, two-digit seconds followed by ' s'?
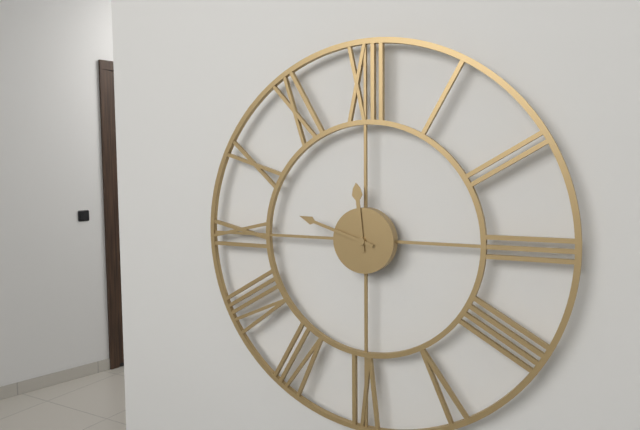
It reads 11 h 48 min
